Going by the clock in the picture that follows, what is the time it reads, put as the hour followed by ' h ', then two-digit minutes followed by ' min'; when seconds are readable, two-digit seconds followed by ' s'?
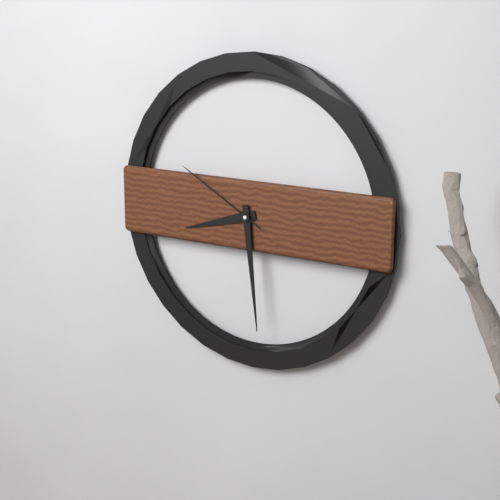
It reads 8 h 29 min 50 s
